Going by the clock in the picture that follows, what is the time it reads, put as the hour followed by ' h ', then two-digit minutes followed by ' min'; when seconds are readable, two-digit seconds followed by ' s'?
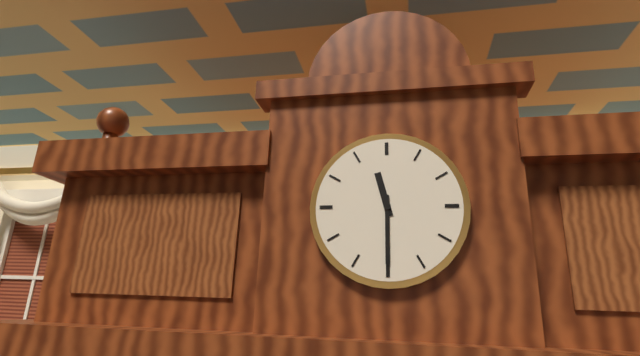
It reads 11 h 30 min
